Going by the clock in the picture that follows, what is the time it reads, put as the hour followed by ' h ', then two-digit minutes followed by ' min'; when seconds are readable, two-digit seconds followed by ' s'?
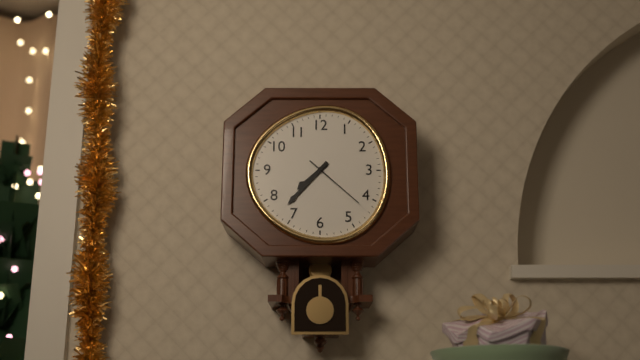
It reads 7 h 37 min 22 s
